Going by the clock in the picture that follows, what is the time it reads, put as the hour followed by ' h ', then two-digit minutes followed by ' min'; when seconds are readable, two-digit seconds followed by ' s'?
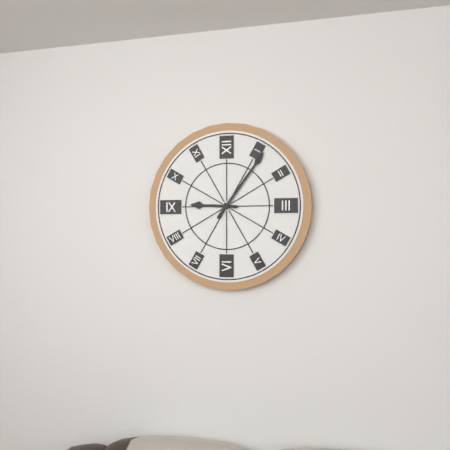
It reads 9 h 06 min
